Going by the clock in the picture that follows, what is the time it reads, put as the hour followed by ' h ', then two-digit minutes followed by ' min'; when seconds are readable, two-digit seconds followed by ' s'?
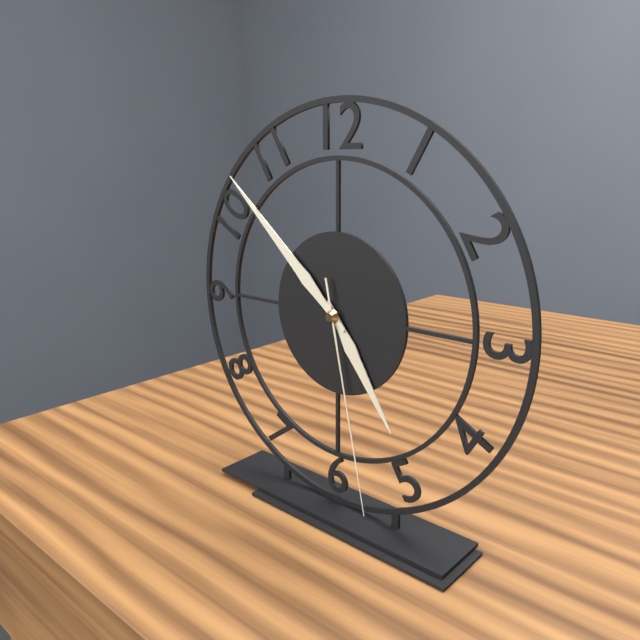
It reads 4 h 52 min 28 s
